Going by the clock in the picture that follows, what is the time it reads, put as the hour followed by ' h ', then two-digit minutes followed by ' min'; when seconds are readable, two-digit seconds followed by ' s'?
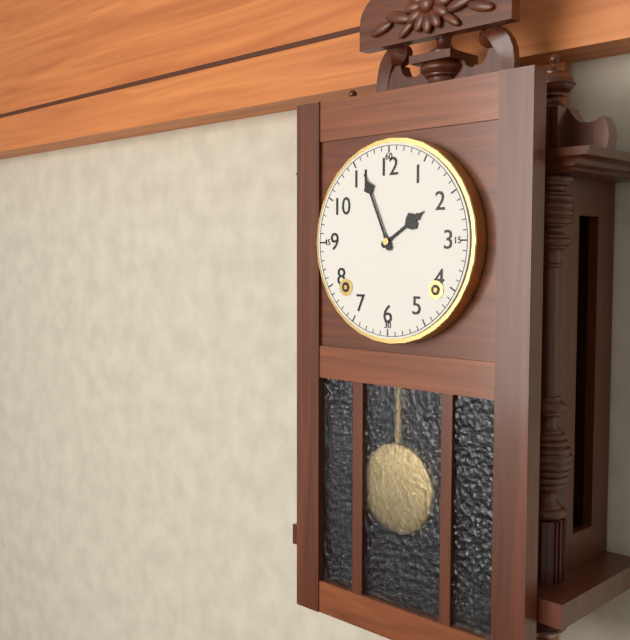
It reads 1 h 56 min
